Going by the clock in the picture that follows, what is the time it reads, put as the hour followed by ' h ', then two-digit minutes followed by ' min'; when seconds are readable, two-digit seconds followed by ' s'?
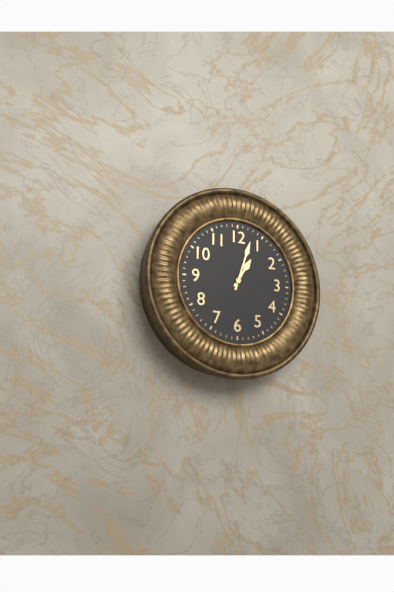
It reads 1 h 03 min
